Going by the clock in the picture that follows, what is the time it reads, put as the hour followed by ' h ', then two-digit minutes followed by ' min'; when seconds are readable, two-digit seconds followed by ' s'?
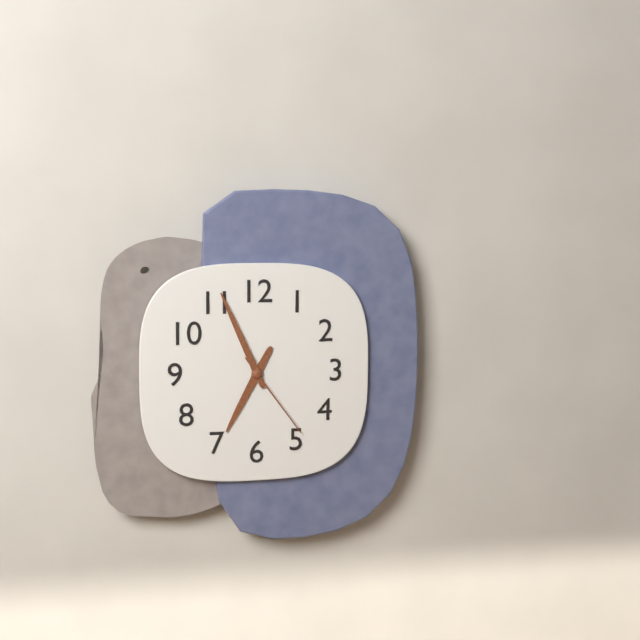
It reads 6 h 56 min 24 s
